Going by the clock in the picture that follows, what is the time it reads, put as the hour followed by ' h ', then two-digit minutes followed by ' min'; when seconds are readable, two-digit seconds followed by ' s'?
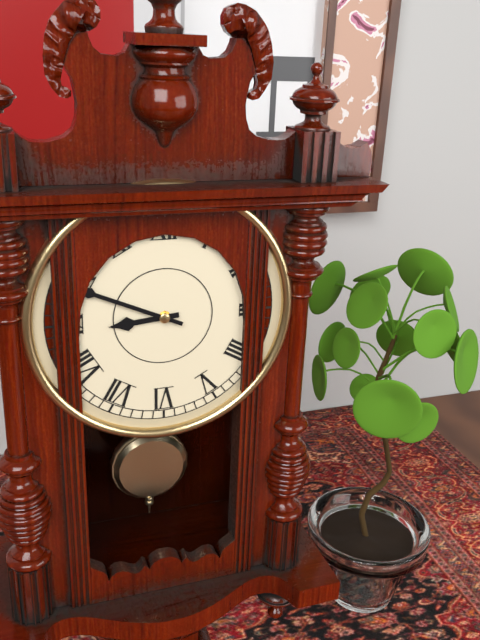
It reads 8 h 49 min
